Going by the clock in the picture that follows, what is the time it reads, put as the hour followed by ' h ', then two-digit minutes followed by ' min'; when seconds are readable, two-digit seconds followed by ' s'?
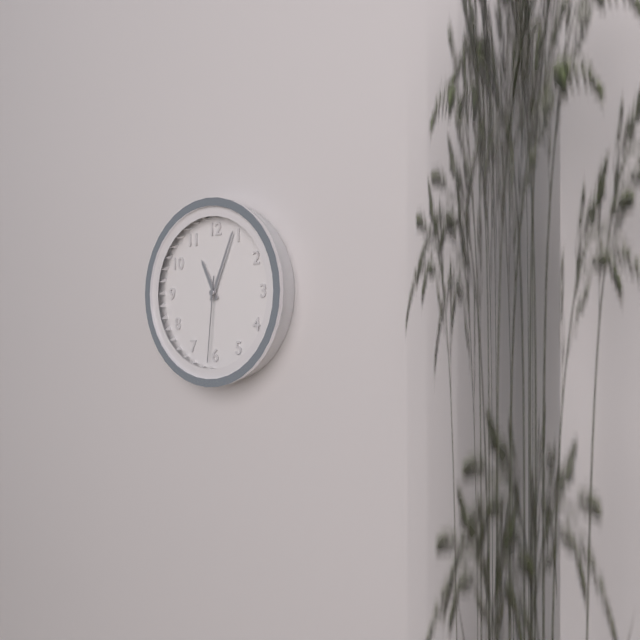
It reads 11 h 04 min 31 s
